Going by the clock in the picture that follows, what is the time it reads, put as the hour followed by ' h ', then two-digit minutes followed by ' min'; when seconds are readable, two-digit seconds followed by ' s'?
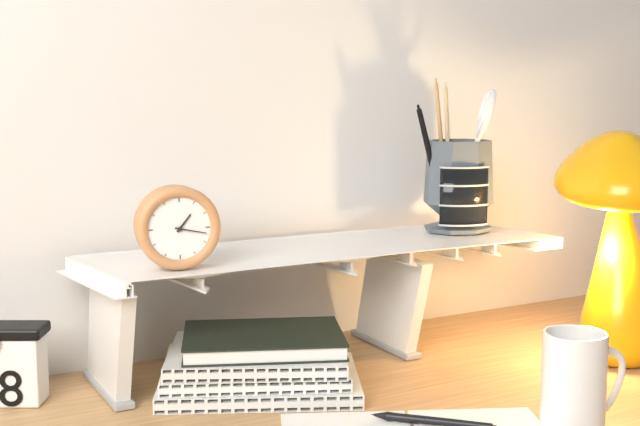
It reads 1 h 17 min
